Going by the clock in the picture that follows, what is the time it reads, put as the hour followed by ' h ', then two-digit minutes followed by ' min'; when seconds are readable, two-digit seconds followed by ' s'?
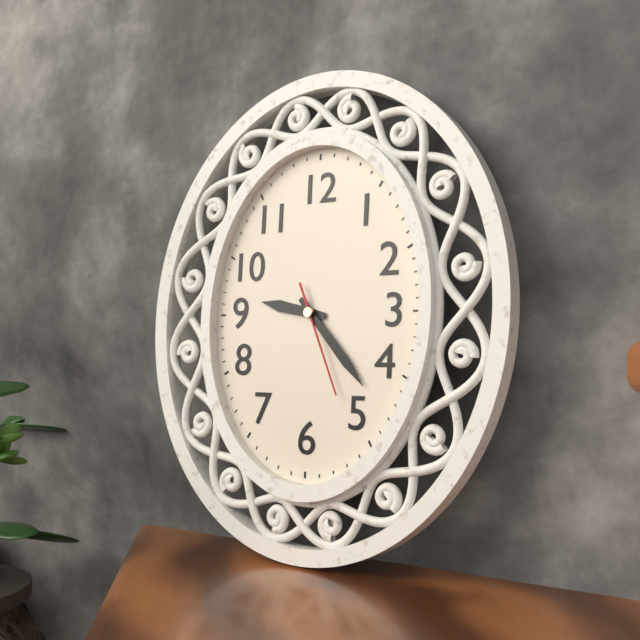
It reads 9 h 23 min 26 s
